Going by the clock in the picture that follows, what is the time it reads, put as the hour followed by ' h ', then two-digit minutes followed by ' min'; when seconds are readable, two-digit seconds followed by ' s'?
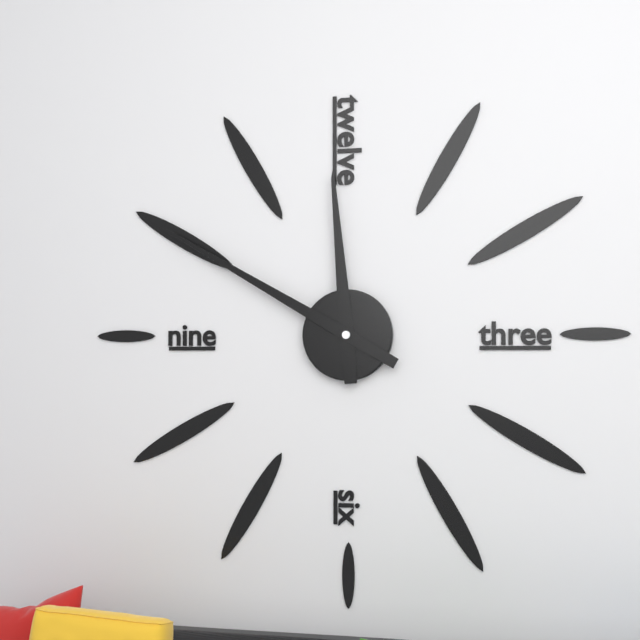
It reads 11 h 50 min
